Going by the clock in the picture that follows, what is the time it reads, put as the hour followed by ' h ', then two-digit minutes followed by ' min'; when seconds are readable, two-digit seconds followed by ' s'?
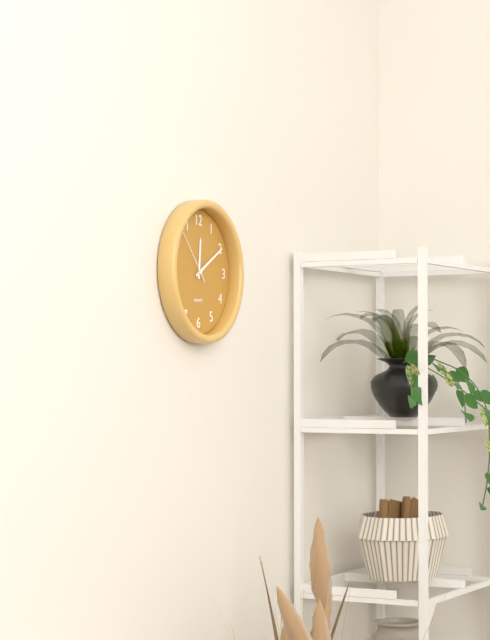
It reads 12 h 10 min 53 s
